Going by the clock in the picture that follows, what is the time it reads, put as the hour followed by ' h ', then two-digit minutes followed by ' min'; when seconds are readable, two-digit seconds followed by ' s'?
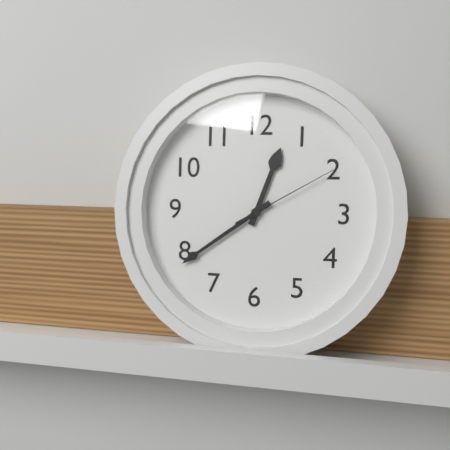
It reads 12 h 39 min 10 s
